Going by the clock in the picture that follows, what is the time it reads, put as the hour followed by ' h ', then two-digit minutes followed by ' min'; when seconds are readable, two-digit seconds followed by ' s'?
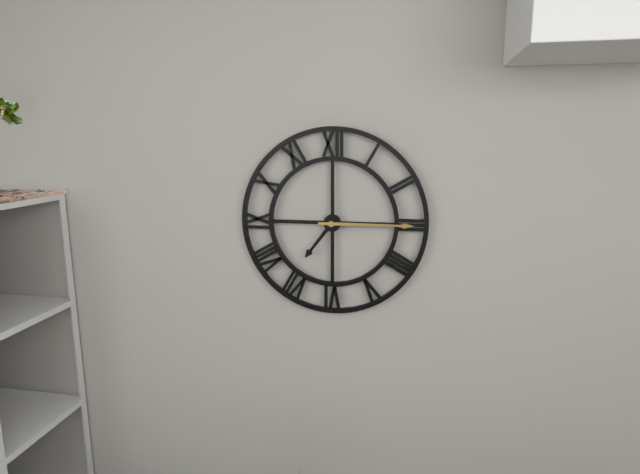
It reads 7 h 15 min
